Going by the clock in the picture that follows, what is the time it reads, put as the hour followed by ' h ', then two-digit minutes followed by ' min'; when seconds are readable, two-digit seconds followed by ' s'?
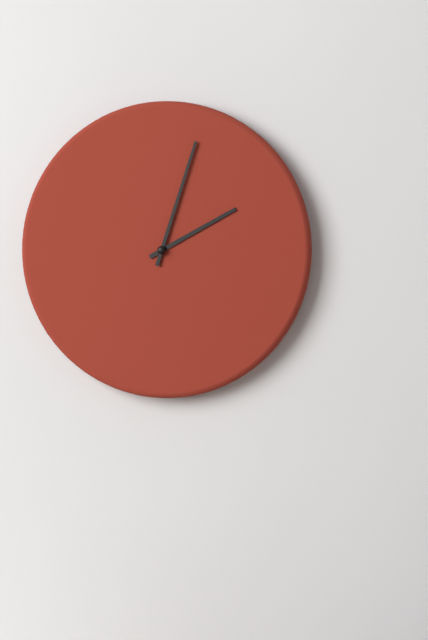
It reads 2 h 03 min
